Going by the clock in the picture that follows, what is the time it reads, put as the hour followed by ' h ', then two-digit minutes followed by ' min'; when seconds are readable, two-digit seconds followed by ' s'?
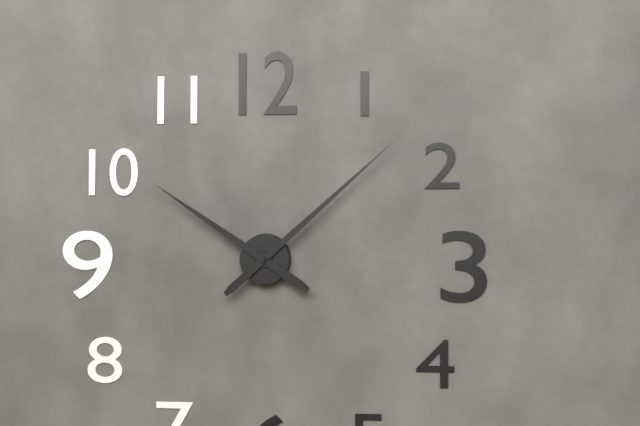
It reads 10 h 08 min
